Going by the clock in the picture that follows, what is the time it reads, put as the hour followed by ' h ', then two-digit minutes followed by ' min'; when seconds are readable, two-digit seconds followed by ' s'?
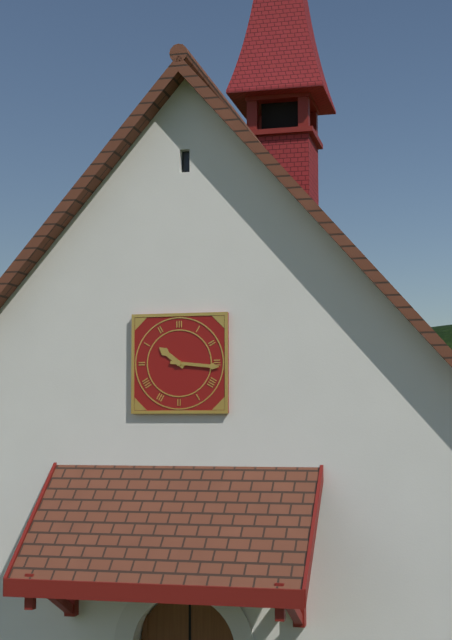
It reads 10 h 16 min
